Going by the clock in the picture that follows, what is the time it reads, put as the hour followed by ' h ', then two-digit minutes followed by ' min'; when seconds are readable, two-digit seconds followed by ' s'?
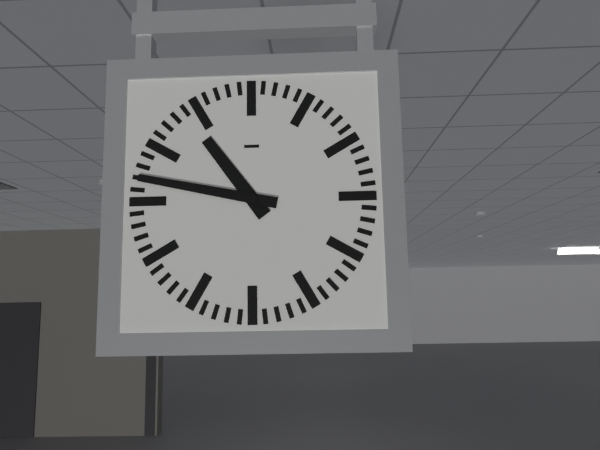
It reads 10 h 47 min
